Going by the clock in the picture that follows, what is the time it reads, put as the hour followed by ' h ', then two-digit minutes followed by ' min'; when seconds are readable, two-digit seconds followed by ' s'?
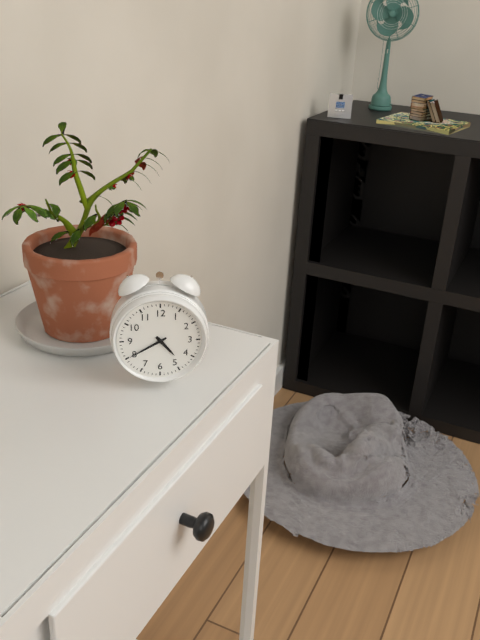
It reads 4 h 40 min
